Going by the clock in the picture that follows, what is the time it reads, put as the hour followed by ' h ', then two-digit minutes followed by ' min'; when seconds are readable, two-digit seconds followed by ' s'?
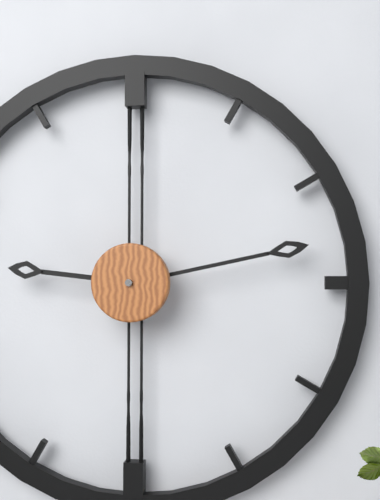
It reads 9 h 13 min
